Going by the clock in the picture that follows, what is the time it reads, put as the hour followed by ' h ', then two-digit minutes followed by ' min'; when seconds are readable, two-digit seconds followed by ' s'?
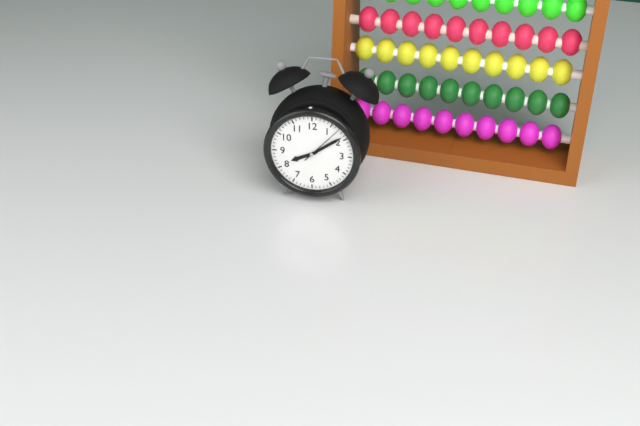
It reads 8 h 09 min
